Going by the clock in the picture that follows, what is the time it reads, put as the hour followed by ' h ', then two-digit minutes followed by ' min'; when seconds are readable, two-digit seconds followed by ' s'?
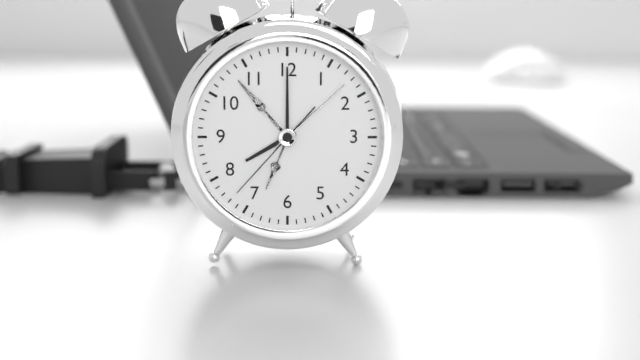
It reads 8 h 00 min 37 s
